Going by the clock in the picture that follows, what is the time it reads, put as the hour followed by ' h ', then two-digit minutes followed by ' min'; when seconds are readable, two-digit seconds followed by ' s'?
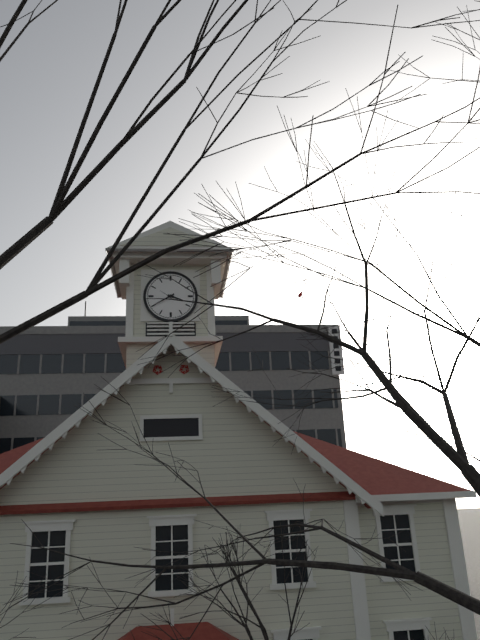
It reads 3 h 40 min
